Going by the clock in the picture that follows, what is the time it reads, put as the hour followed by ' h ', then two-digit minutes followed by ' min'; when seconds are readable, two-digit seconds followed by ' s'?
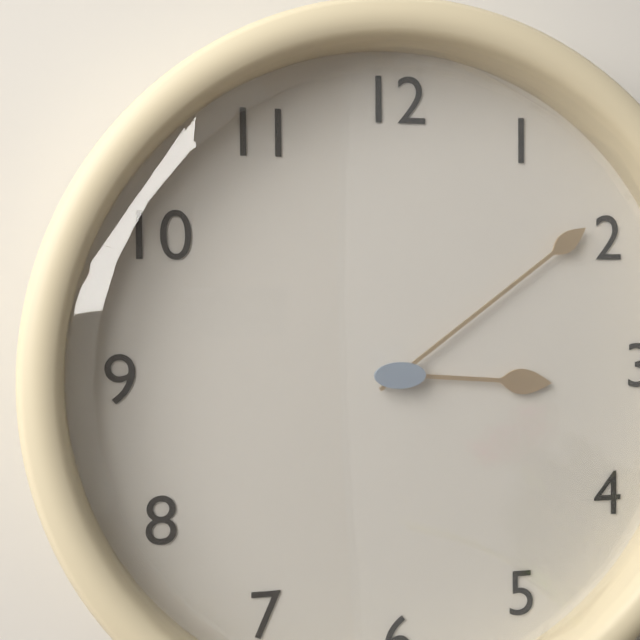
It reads 3 h 09 min
